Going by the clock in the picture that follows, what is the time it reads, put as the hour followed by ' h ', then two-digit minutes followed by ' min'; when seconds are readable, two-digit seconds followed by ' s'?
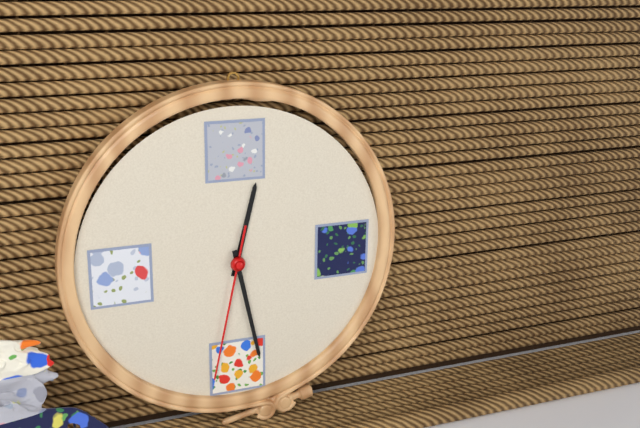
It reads 12 h 28 min 32 s
